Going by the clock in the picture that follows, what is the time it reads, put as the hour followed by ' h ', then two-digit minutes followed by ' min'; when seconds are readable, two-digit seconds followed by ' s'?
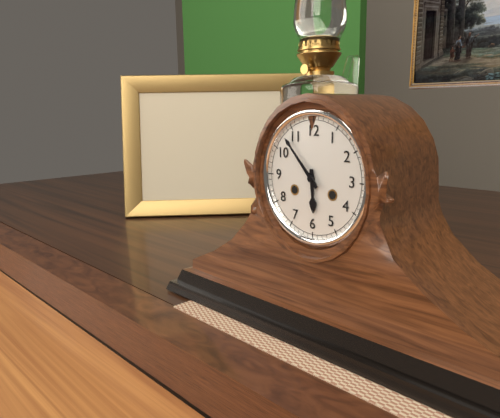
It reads 5 h 53 min
